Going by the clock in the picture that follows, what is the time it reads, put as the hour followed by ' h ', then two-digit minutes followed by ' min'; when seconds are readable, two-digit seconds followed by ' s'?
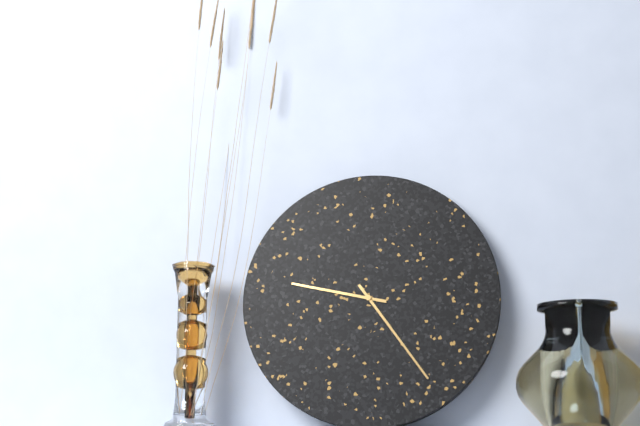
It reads 9 h 24 min
